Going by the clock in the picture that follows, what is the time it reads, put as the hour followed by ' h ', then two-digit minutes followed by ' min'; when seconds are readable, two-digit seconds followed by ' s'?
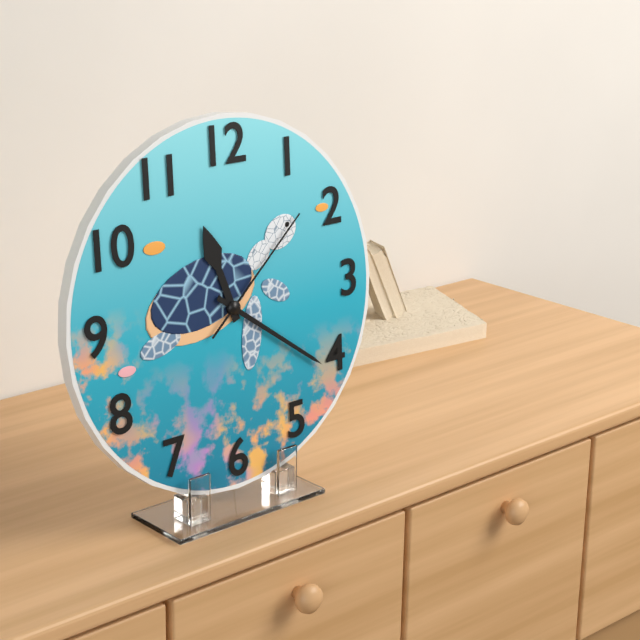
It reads 11 h 21 min 08 s
